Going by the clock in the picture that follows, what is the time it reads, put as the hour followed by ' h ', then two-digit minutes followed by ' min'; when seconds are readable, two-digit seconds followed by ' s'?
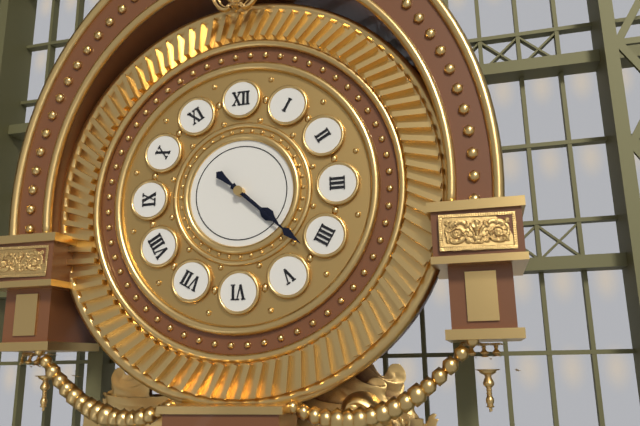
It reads 4 h 22 min
